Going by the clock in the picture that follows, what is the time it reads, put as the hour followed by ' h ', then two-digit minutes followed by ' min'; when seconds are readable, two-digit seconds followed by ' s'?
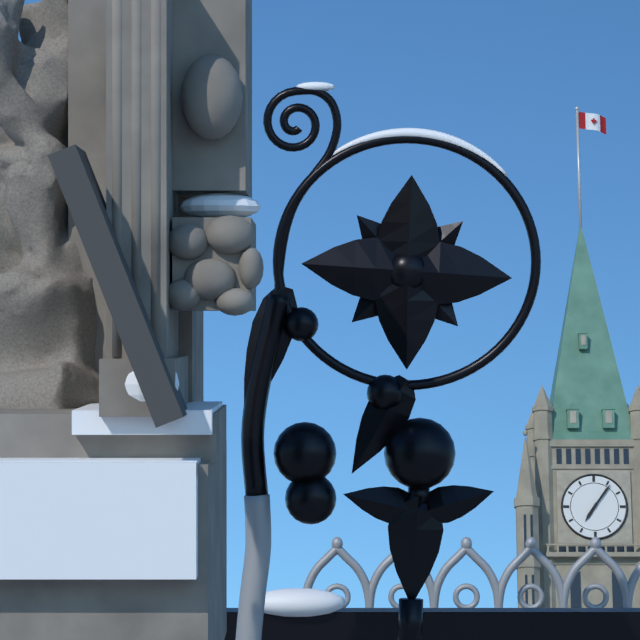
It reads 7 h 06 min
